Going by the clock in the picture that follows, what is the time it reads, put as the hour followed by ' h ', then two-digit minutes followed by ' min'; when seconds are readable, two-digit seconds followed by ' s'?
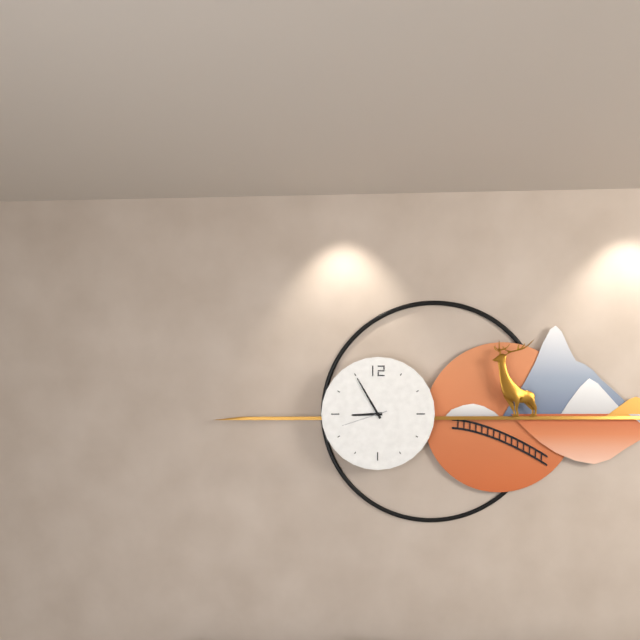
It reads 8 h 55 min
